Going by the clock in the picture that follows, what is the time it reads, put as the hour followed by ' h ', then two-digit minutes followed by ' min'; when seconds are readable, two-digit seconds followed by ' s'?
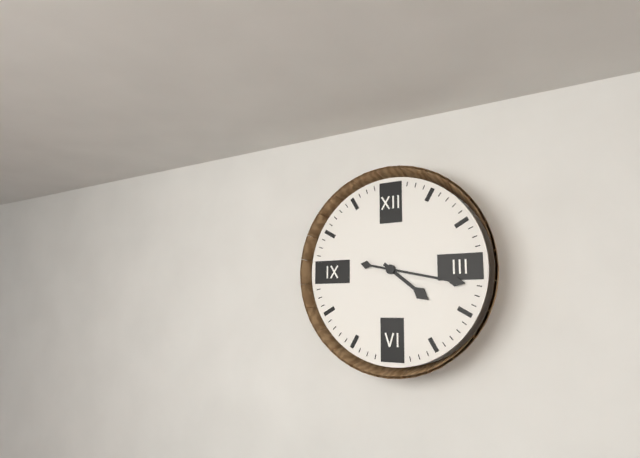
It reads 4 h 17 min
